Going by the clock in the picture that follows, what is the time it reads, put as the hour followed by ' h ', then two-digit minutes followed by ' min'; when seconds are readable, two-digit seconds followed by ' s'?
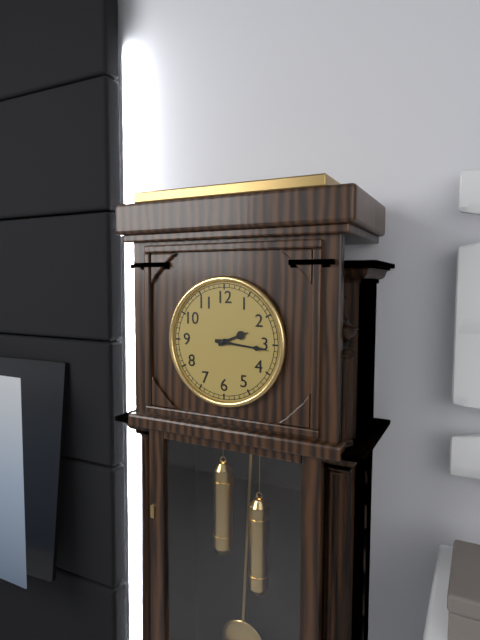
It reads 2 h 16 min
